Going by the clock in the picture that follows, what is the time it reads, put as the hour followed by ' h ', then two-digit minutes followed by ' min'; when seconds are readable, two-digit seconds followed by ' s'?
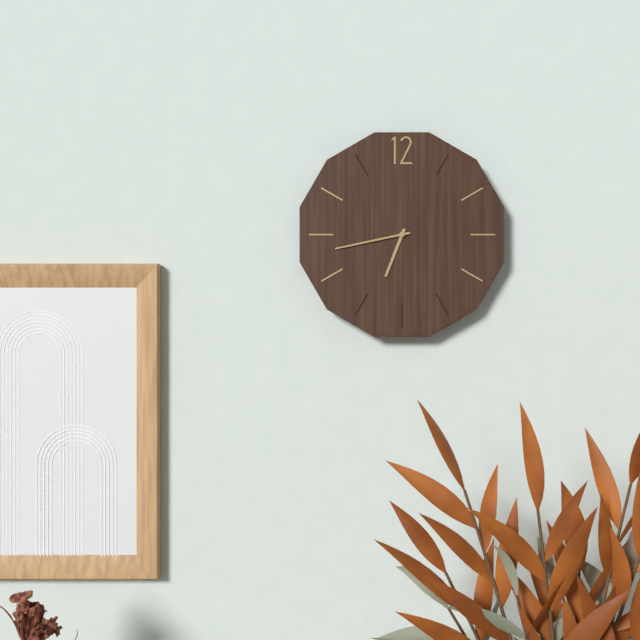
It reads 6 h 43 min
